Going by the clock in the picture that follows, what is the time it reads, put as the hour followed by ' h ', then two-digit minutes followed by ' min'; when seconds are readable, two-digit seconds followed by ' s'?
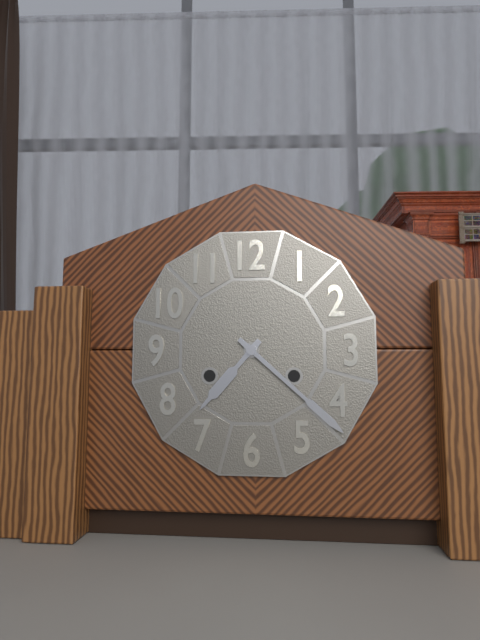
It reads 7 h 22 min
